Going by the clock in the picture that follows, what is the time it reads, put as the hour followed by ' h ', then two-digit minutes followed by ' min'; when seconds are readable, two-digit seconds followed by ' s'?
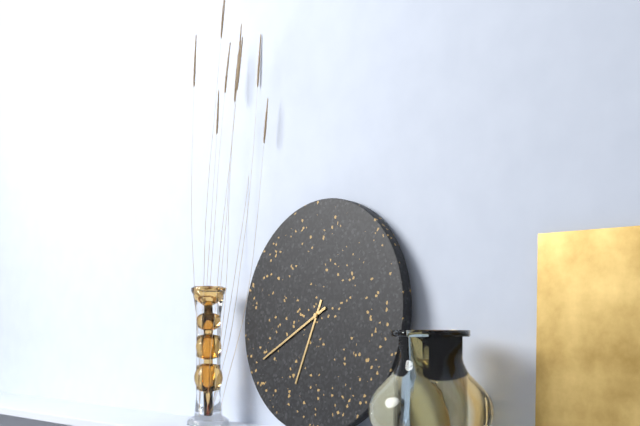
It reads 6 h 40 min
